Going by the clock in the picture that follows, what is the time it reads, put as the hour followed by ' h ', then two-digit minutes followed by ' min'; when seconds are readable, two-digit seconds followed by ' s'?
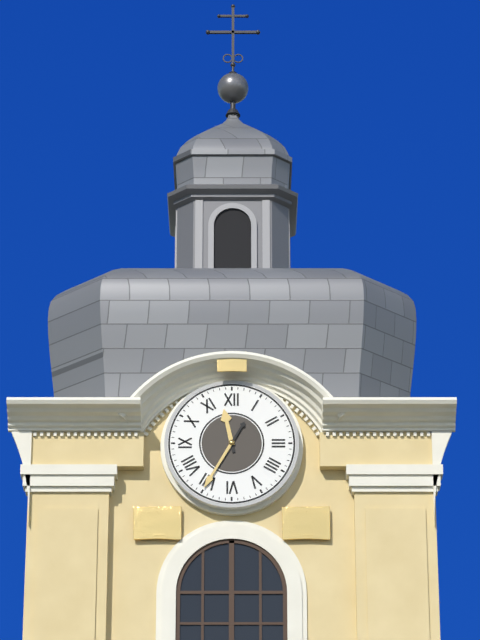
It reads 11 h 35 min
